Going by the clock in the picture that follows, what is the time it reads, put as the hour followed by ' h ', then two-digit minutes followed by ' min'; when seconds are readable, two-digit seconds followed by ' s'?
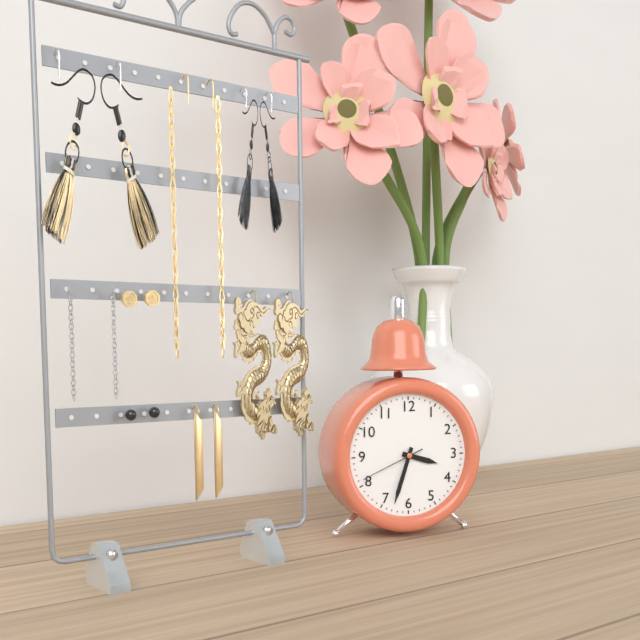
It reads 3 h 33 min 41 s
